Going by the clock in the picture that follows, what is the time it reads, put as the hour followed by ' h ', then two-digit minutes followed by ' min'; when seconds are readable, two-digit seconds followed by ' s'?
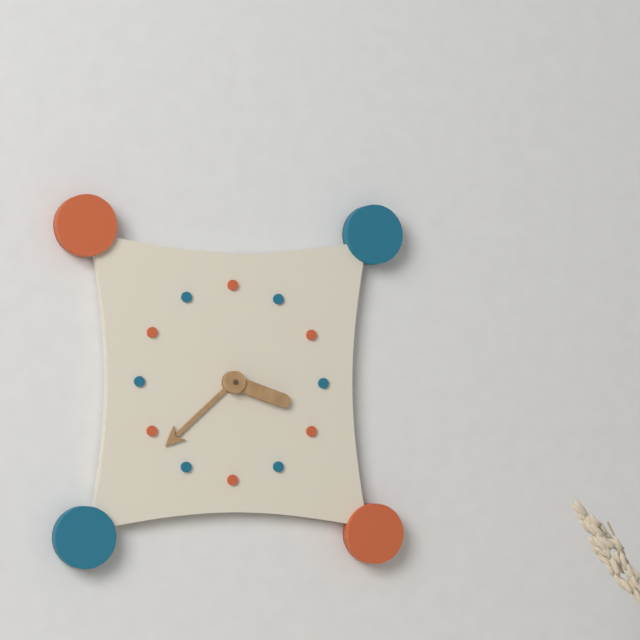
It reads 3 h 38 min
